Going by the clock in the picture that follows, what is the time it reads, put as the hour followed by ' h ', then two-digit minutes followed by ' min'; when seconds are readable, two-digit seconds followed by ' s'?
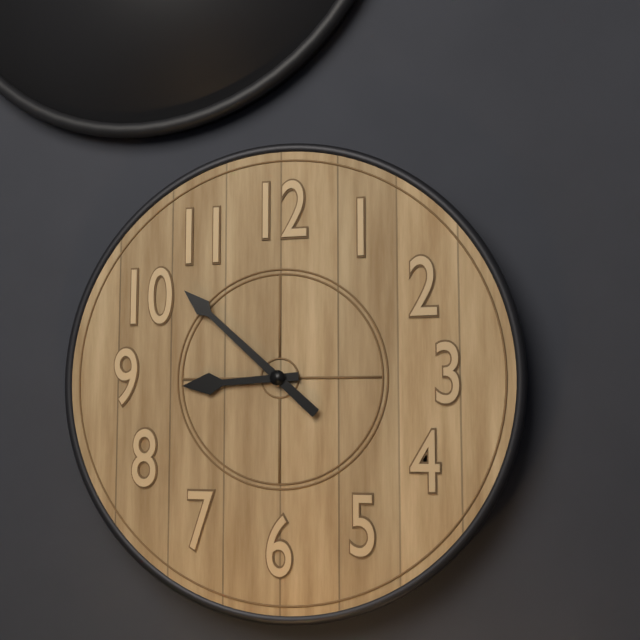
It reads 8 h 52 min
